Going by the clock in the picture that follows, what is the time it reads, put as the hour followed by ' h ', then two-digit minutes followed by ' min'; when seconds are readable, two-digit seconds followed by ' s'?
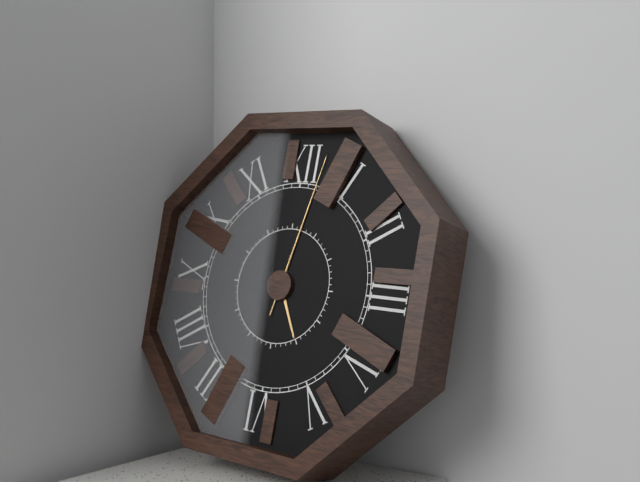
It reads 5 h 02 min 02 s
